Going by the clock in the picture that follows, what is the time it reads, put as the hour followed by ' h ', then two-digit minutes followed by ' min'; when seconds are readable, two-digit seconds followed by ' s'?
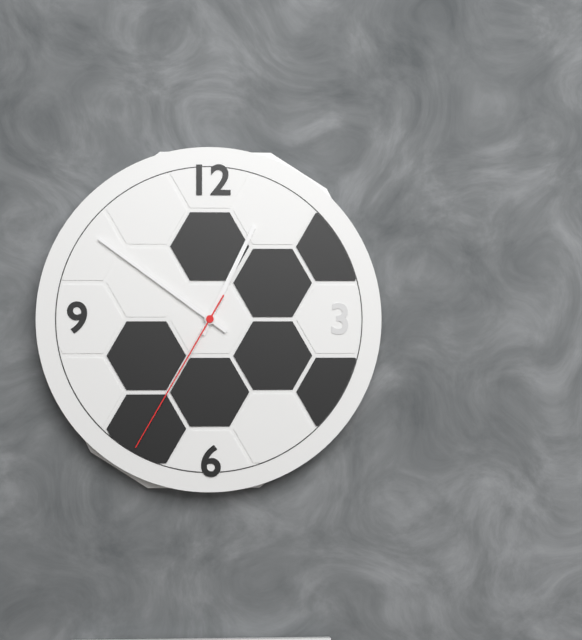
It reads 12 h 51 min 35 s
